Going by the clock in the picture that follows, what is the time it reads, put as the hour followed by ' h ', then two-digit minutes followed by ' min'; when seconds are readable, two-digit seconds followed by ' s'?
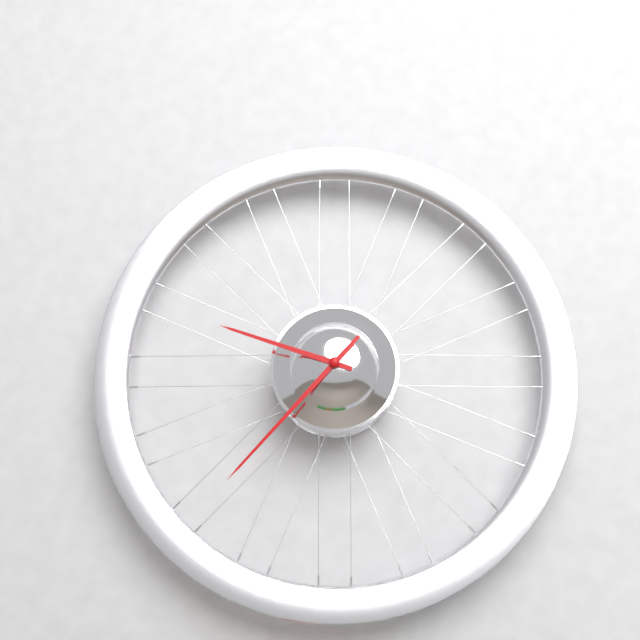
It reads 9 h 37 min
